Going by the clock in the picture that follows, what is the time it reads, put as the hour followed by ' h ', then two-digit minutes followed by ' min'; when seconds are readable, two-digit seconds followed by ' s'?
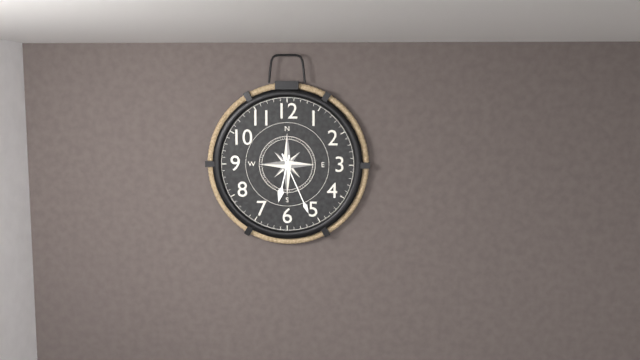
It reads 6 h 26 min
